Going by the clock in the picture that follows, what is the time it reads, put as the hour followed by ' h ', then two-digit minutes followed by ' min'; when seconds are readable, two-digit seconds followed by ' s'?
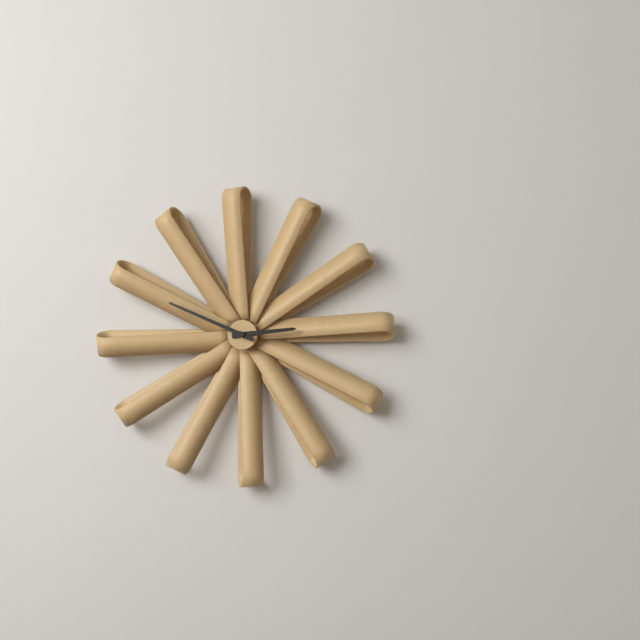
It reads 2 h 49 min
